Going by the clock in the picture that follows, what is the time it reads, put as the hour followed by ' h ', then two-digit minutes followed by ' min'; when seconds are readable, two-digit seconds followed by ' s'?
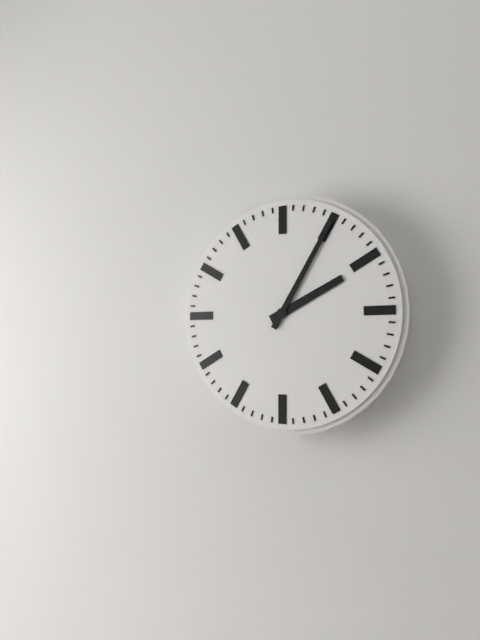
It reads 2 h 05 min
